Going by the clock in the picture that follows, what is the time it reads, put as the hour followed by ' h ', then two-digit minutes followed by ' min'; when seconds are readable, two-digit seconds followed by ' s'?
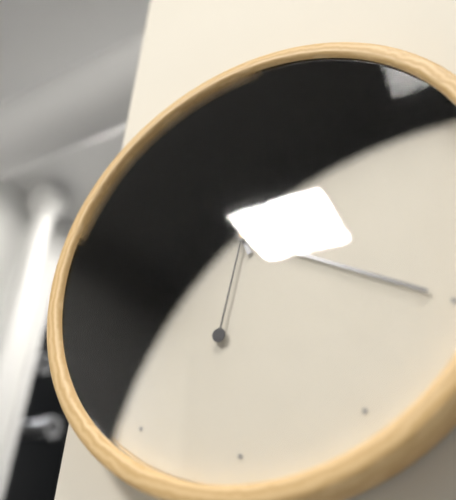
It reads 11 h 20 min 02 s
